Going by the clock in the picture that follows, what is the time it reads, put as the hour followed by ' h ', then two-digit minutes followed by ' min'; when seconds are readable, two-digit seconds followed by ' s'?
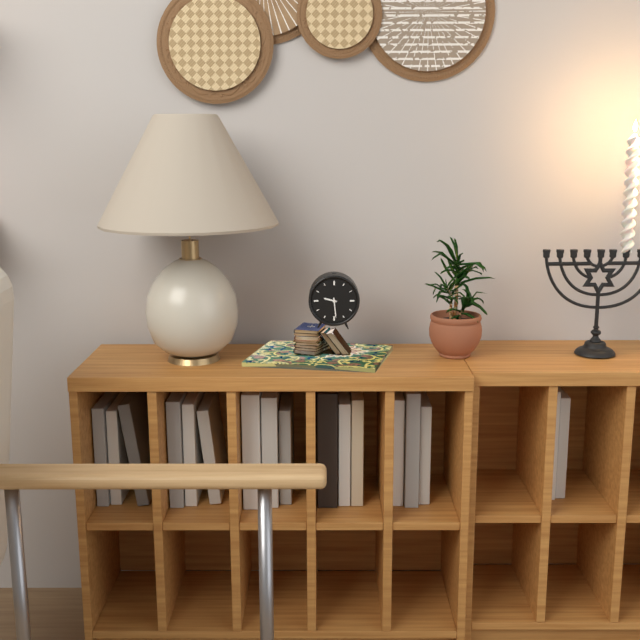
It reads 9 h 29 min
